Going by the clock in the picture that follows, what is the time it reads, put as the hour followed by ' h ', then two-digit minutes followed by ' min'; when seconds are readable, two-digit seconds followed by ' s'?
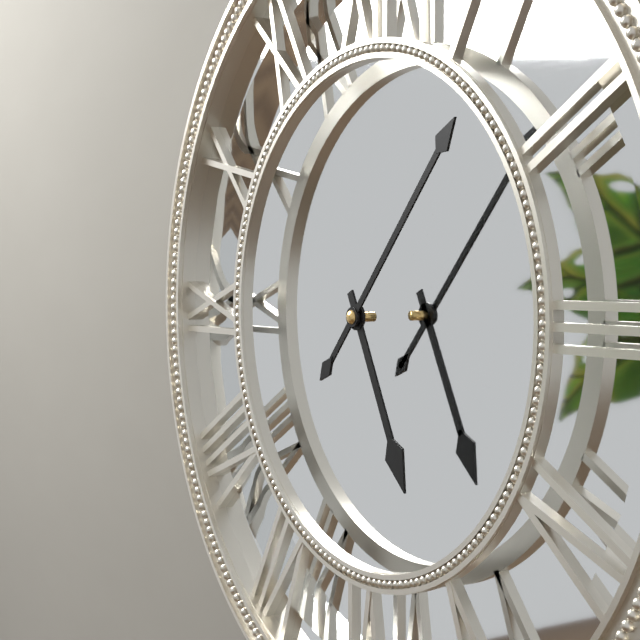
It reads 5 h 07 min
